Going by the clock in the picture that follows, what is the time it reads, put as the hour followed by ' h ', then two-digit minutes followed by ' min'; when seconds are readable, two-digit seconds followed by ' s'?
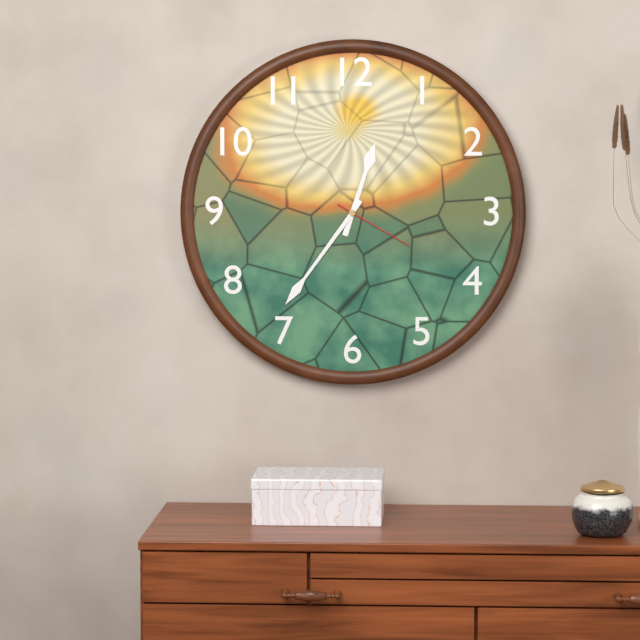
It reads 12 h 36 min 20 s
